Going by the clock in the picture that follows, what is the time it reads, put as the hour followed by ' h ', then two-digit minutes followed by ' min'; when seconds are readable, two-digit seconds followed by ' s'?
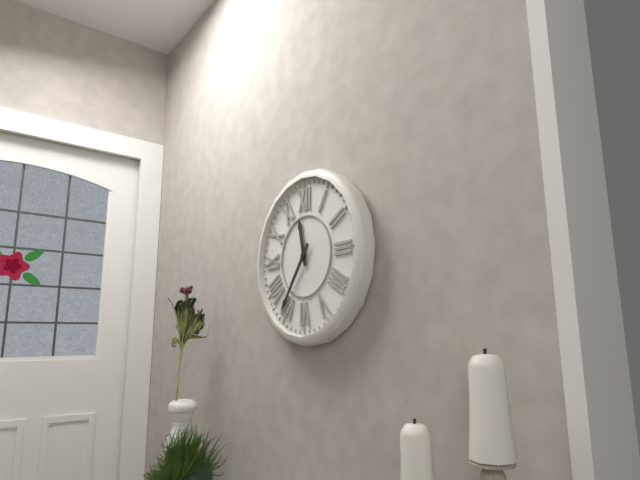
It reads 11 h 36 min
